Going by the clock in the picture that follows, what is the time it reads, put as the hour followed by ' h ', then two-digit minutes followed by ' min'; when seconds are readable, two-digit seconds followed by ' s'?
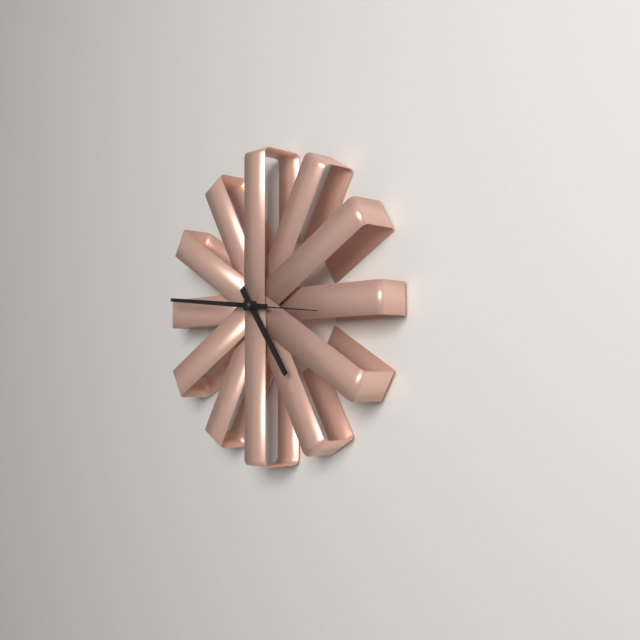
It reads 4 h 46 min
